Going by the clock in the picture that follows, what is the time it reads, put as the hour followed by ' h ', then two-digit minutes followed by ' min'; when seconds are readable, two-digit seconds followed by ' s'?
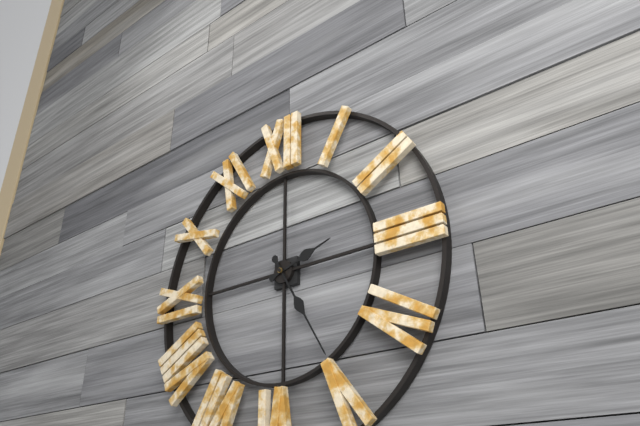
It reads 2 h 25 min
